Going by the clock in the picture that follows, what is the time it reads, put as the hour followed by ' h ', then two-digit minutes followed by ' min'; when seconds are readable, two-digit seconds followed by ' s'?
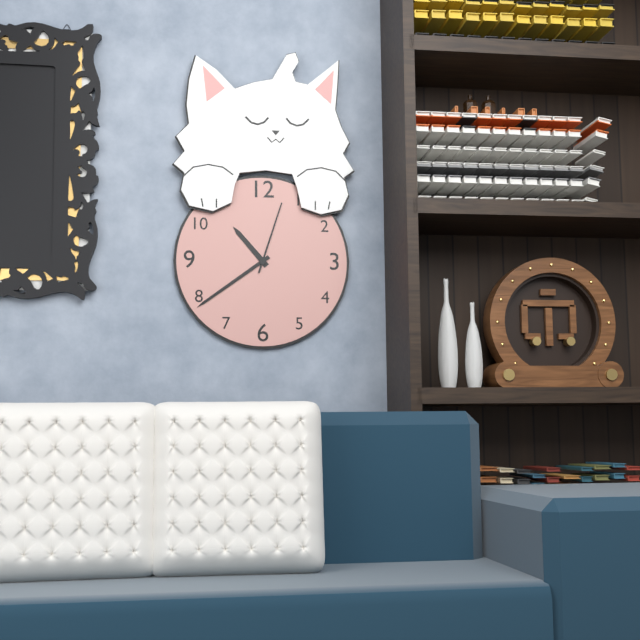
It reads 10 h 39 min 03 s
